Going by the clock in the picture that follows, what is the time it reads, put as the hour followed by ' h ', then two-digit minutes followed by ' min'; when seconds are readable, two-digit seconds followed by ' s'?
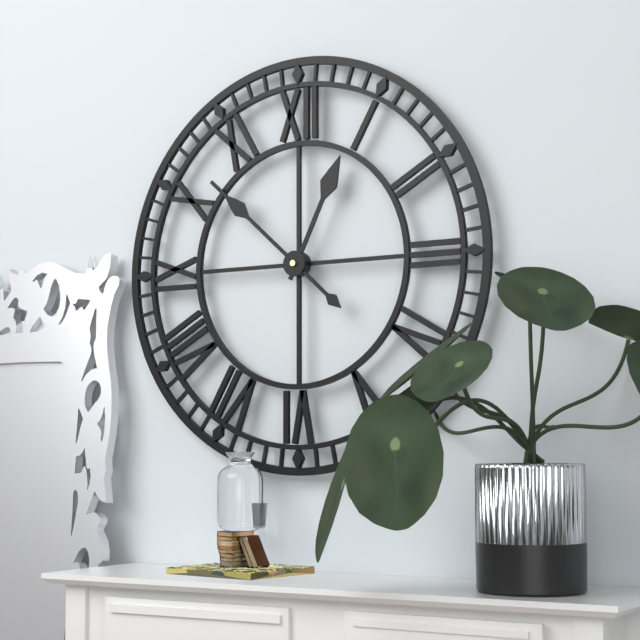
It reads 12 h 52 min
